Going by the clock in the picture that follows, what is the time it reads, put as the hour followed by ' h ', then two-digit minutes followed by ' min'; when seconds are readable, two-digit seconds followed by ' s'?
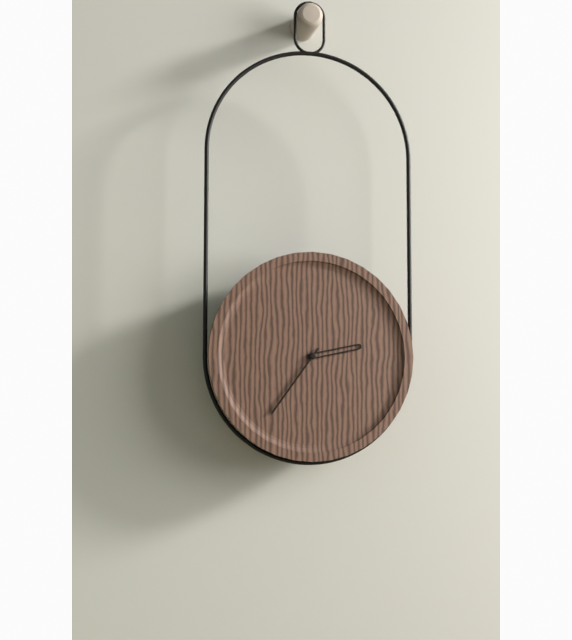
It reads 2 h 36 min
